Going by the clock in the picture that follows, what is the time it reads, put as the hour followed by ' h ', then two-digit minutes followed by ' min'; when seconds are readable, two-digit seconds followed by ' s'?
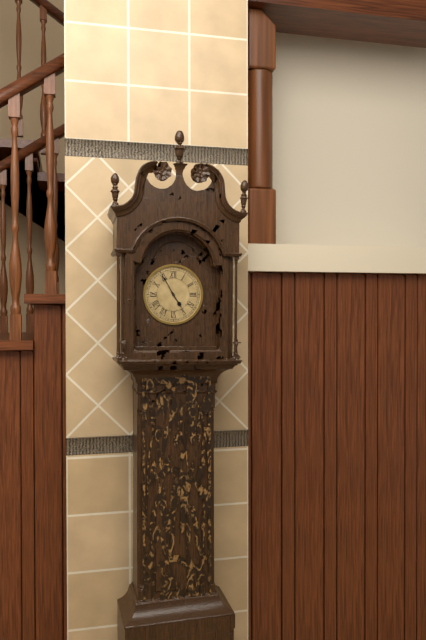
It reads 4 h 55 min
